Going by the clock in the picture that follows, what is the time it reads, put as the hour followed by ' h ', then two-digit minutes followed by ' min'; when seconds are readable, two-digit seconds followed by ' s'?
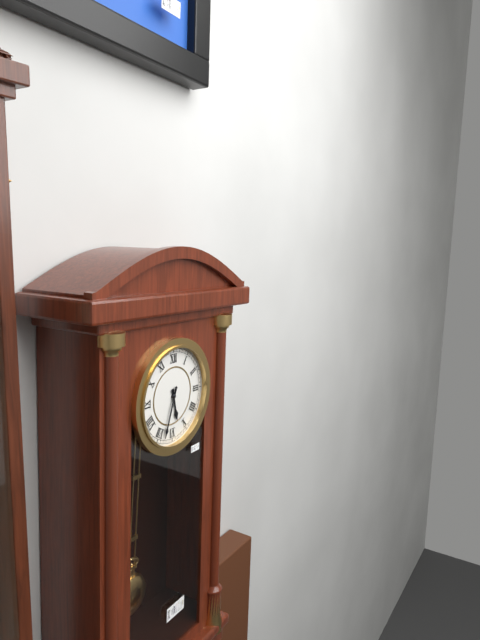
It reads 5 h 33 min
